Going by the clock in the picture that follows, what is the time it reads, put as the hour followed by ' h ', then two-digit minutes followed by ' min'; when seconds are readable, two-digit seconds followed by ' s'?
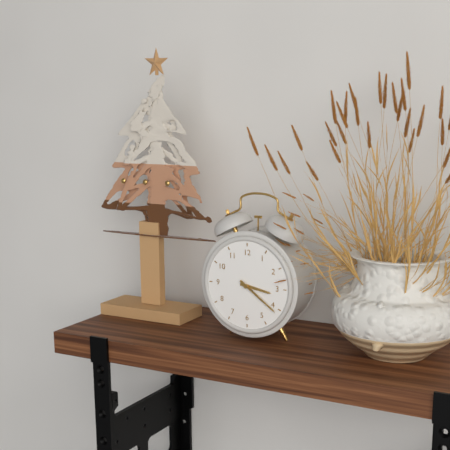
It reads 3 h 21 min
